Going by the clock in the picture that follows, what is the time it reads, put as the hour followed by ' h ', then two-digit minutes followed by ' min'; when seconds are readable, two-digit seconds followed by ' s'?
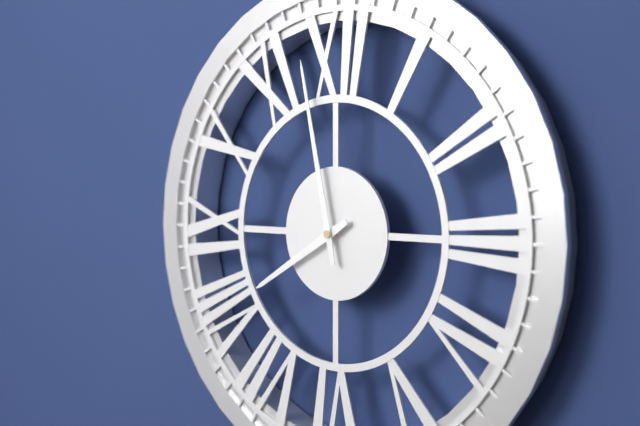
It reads 7 h 58 min
